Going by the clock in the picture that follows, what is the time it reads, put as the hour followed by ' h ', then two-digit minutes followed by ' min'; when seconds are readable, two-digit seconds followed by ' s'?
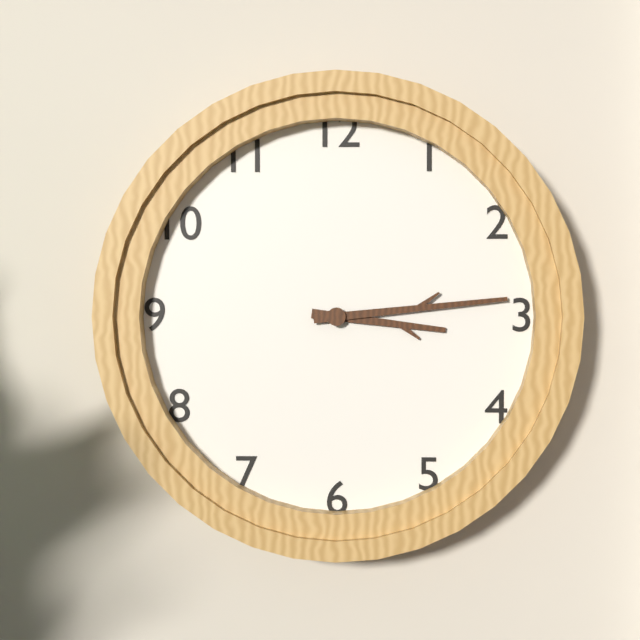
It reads 3 h 14 min
